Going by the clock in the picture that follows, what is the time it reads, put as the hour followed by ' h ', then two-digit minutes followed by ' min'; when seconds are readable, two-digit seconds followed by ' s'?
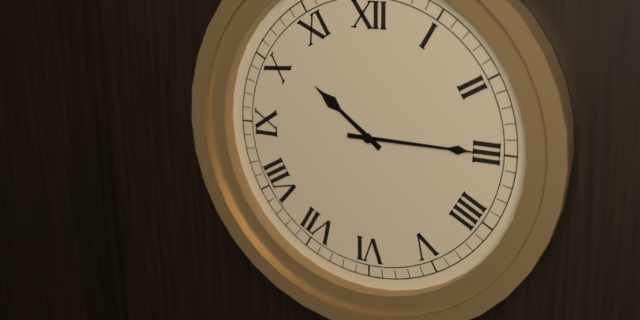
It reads 10 h 15 min
